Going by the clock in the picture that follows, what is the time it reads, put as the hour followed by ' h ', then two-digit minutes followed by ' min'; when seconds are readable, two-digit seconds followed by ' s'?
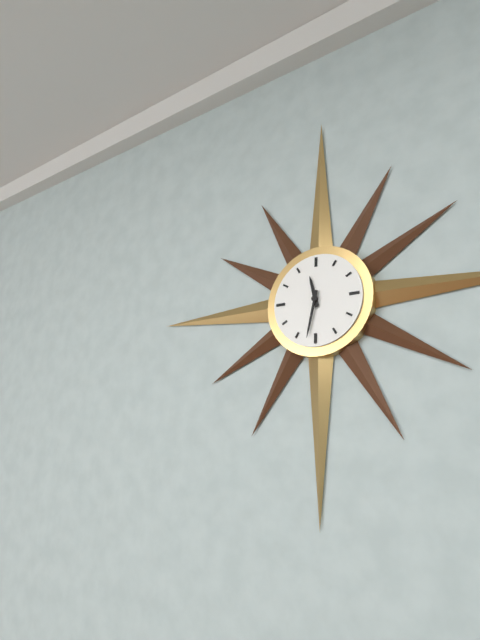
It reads 11 h 32 min
